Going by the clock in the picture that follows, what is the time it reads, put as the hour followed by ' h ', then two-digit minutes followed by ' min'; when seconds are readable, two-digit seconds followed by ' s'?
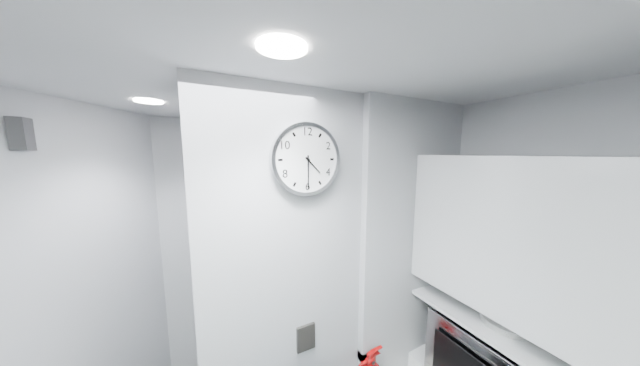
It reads 4 h 30 min
